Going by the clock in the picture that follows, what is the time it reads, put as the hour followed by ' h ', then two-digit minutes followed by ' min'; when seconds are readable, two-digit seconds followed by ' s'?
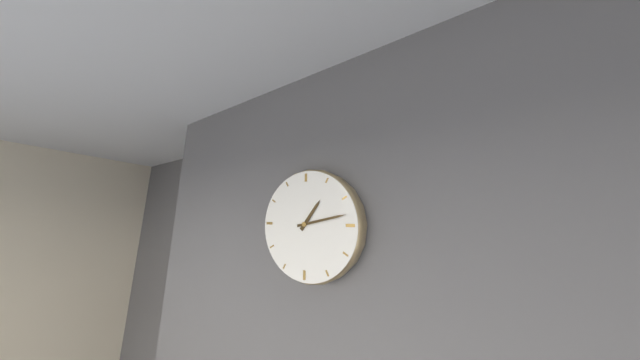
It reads 1 h 13 min
